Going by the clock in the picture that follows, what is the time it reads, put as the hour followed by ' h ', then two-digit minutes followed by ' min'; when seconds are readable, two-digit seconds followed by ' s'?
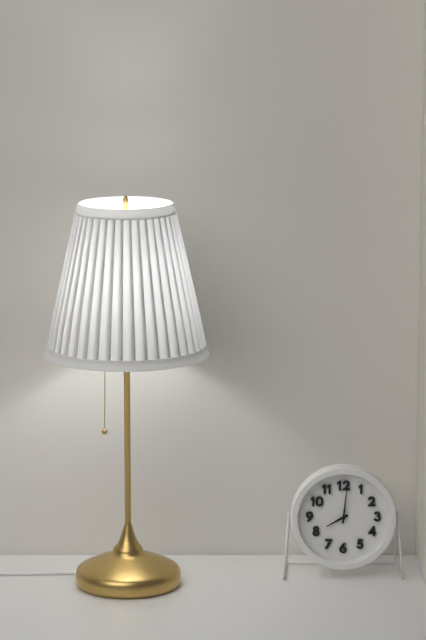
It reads 8 h 01 min
